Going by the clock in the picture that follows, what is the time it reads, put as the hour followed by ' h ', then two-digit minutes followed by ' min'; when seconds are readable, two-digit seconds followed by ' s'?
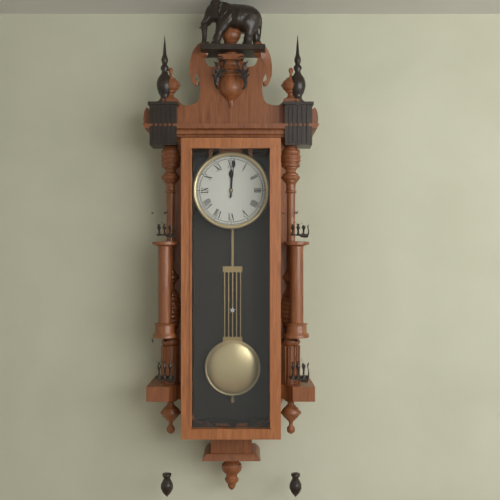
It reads 12 h 01 min
